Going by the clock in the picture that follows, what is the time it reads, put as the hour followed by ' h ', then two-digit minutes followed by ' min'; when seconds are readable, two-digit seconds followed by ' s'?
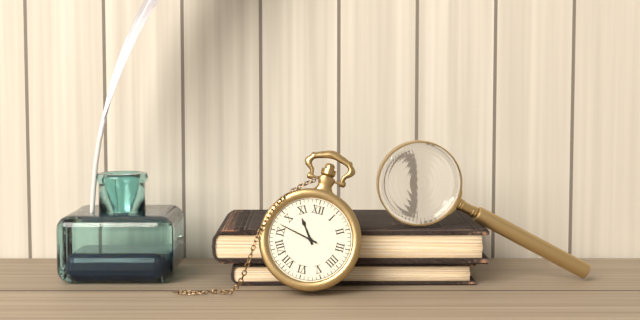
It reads 10 h 47 min
